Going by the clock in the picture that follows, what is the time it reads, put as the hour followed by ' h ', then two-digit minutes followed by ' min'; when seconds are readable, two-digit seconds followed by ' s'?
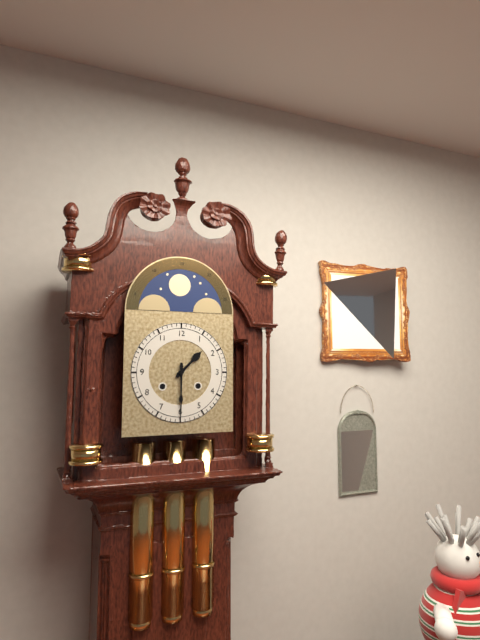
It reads 1 h 30 min
